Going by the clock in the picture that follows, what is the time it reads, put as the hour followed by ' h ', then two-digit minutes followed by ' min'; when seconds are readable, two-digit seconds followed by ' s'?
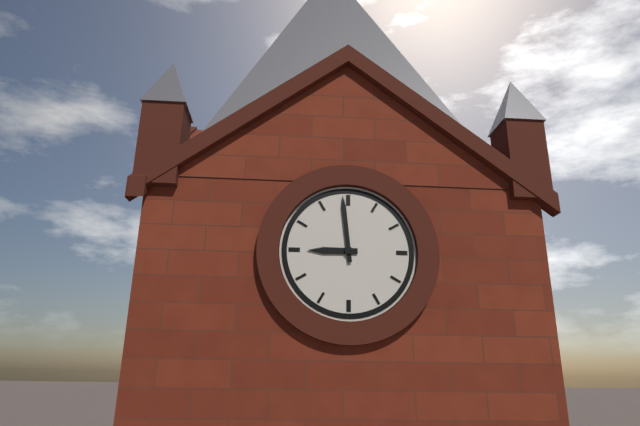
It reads 8 h 59 min
